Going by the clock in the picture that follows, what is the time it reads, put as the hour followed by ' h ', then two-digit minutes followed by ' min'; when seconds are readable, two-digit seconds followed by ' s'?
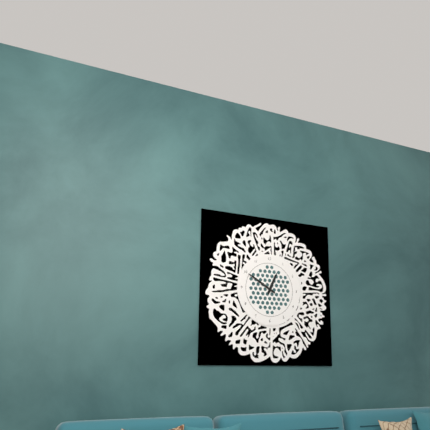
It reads 12 h 50 min
